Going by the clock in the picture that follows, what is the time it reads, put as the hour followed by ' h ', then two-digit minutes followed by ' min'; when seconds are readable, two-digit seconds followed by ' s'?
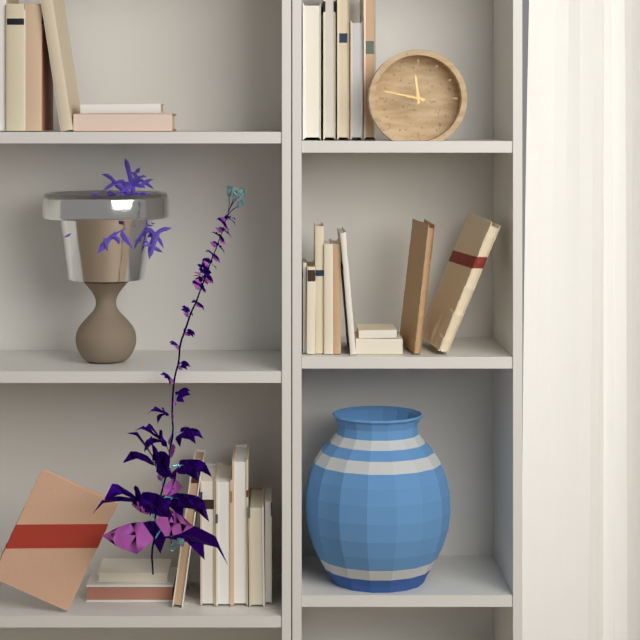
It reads 11 h 47 min
